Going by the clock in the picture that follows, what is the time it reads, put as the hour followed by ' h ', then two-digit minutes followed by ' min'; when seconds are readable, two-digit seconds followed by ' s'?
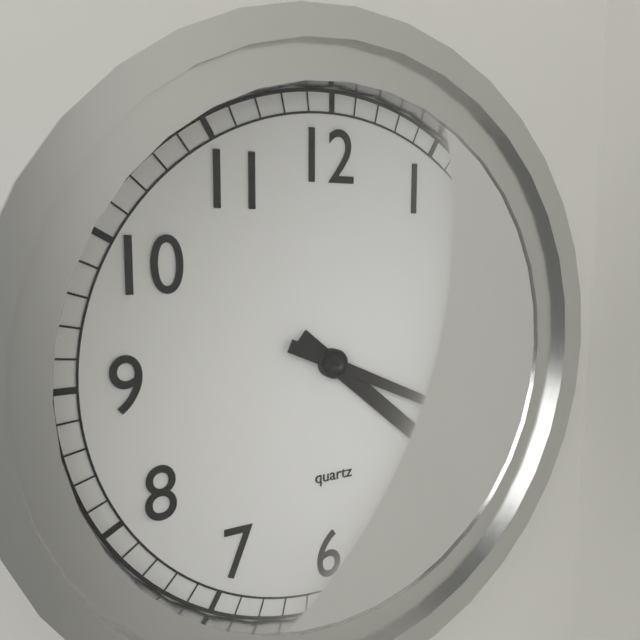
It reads 4 h 19 min
